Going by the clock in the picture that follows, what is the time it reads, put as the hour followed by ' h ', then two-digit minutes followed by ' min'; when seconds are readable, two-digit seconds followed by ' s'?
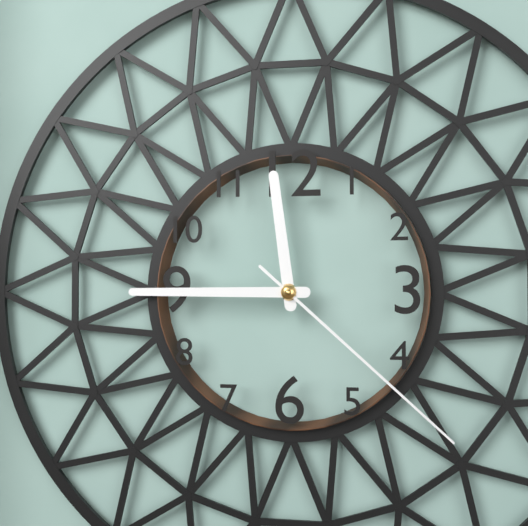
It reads 11 h 45 min 22 s
